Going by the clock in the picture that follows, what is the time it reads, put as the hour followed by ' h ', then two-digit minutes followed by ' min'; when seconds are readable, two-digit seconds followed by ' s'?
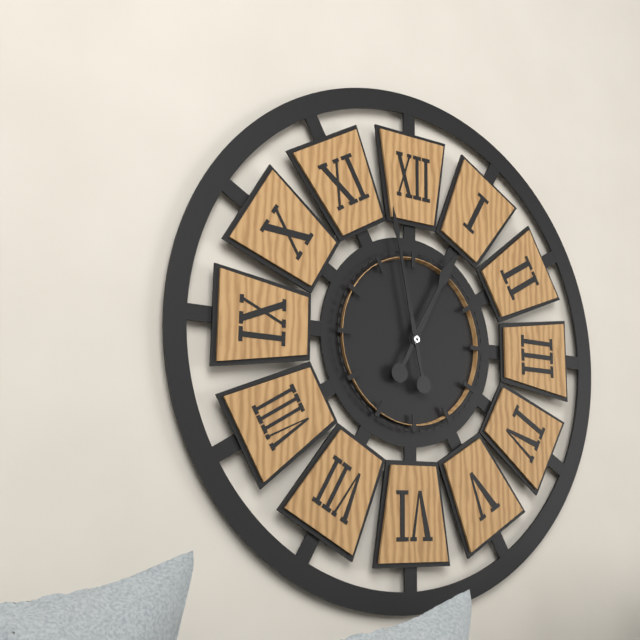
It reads 12 h 58 min
